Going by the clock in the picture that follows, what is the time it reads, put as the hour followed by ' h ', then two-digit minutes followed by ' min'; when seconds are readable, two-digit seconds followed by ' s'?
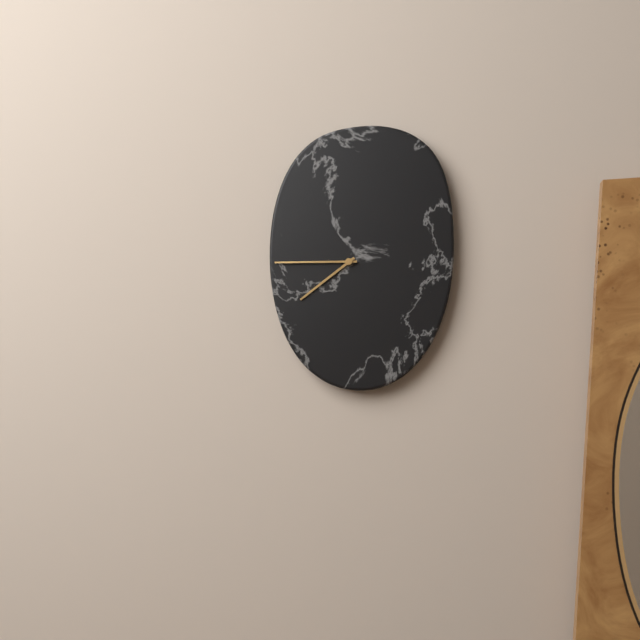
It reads 7 h 45 min
